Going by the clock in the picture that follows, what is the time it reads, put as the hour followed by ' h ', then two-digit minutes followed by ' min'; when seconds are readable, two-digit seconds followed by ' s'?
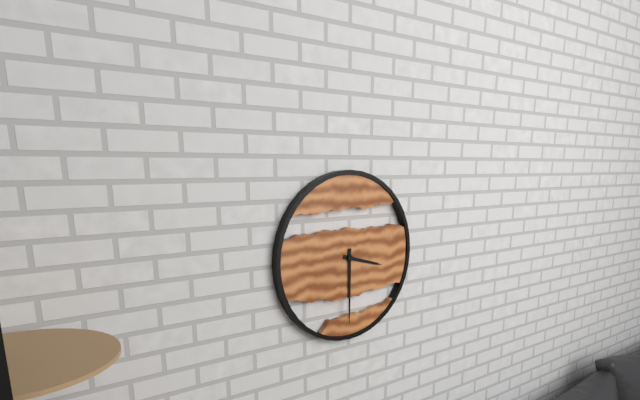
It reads 3 h 30 min
